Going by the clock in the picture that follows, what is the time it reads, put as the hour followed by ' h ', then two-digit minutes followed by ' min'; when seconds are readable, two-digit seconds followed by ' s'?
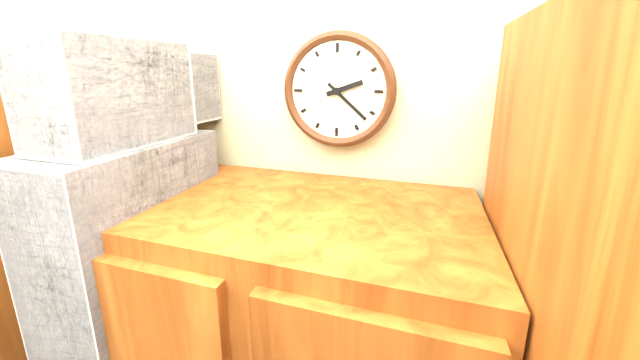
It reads 2 h 22 min
